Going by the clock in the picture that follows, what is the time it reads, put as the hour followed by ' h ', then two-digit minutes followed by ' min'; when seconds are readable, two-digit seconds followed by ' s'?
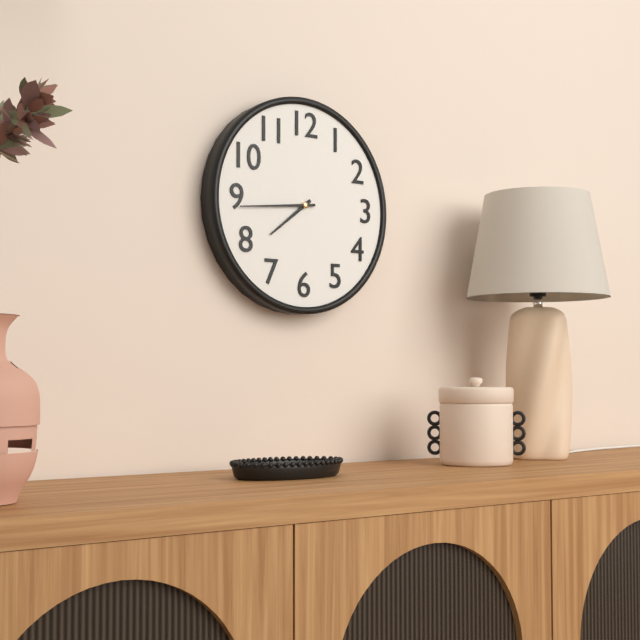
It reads 7 h 44 min
